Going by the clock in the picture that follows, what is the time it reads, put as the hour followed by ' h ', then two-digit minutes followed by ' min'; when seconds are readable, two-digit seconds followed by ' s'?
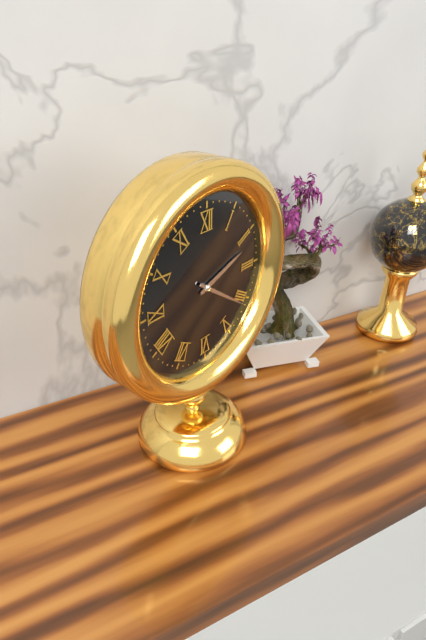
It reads 2 h 21 min
